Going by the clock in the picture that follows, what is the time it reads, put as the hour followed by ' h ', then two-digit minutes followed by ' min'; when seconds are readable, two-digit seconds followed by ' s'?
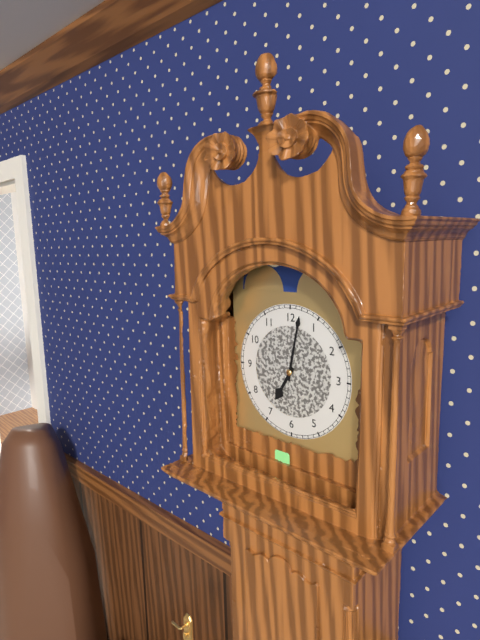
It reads 7 h 02 min
